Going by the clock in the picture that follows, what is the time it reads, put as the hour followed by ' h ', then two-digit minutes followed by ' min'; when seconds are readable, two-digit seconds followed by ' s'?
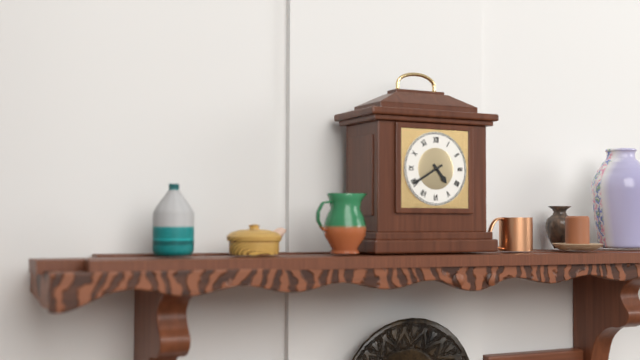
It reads 4 h 40 min
